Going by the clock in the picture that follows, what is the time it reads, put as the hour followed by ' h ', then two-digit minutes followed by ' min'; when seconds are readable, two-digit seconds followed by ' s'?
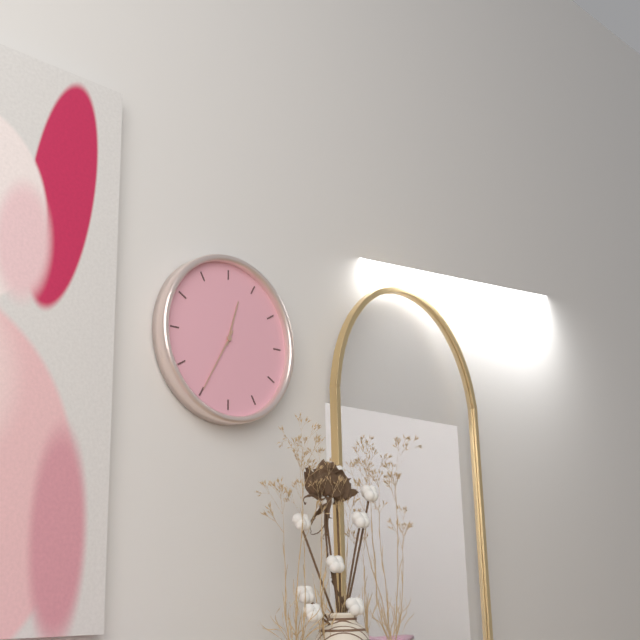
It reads 12 h 35 min
